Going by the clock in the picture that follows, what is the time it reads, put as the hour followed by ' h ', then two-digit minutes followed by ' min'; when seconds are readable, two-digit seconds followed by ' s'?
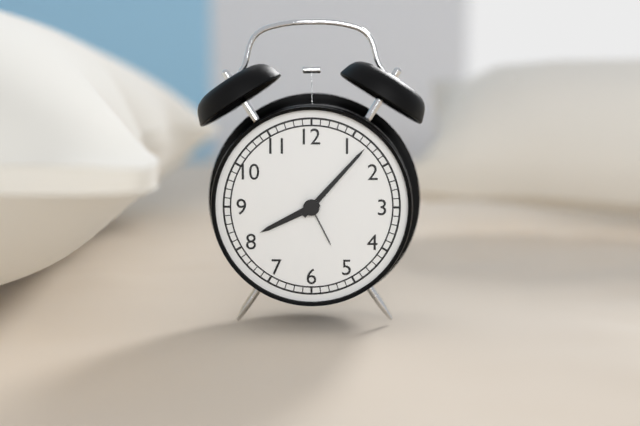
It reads 8 h 07 min
